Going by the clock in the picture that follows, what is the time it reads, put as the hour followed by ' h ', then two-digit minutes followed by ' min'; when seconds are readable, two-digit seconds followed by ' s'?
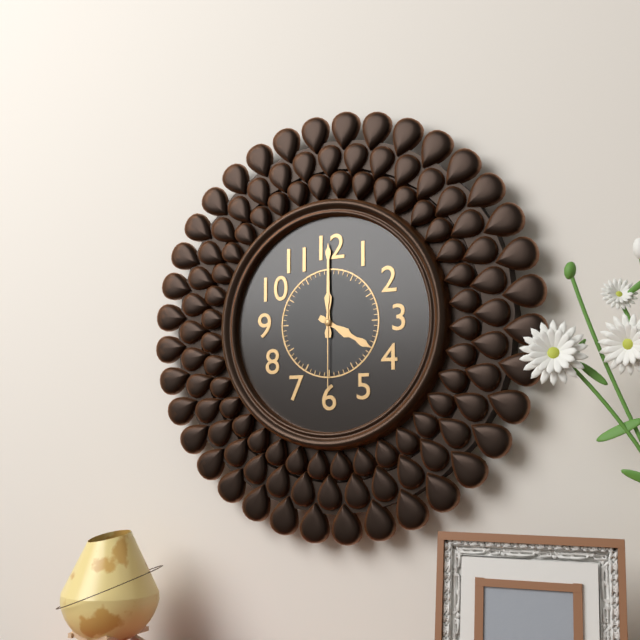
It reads 4 h 00 min 30 s
